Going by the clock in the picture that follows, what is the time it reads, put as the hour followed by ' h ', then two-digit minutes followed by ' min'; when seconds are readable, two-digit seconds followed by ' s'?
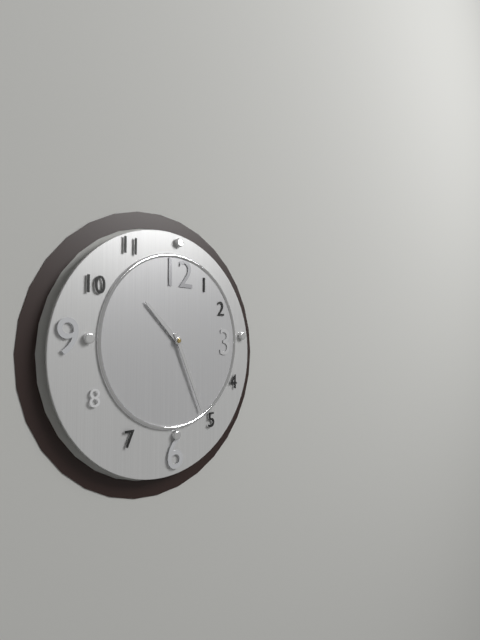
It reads 10 h 26 min
